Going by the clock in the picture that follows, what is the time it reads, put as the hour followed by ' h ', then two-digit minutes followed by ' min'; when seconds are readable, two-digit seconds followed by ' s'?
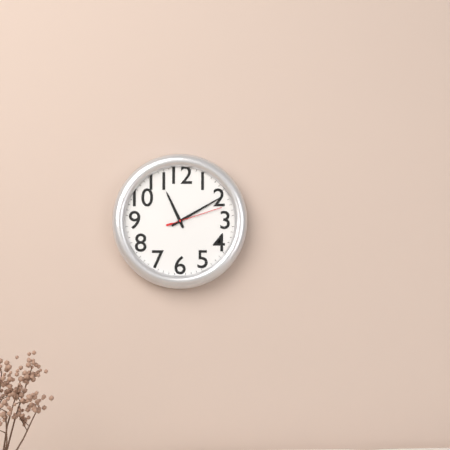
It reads 11 h 10 min 12 s
